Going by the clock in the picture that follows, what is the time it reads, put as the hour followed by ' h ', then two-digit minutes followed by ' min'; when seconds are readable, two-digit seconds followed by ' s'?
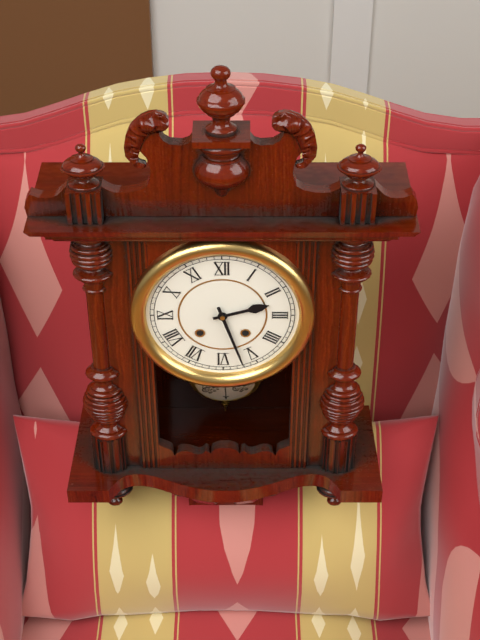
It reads 2 h 27 min
